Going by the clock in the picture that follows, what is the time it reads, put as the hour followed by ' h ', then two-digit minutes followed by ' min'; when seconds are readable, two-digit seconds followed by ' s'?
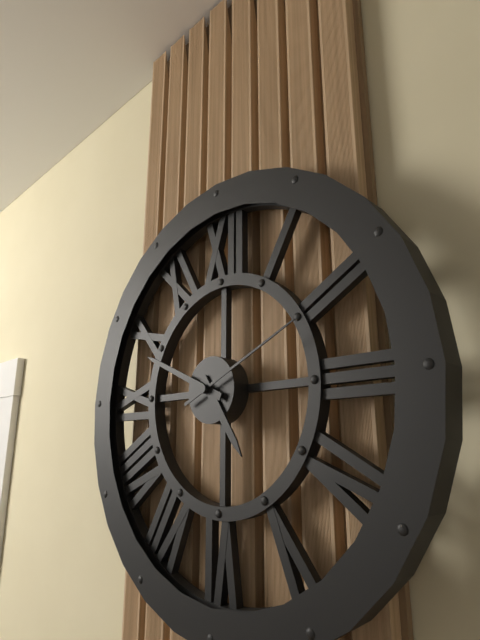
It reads 4 h 49 min 11 s
